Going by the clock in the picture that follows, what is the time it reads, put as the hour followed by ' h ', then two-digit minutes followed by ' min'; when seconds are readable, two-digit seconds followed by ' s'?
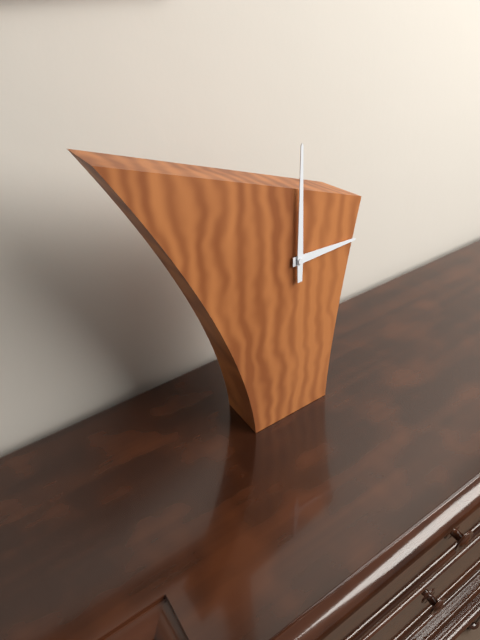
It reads 3 h 00 min
